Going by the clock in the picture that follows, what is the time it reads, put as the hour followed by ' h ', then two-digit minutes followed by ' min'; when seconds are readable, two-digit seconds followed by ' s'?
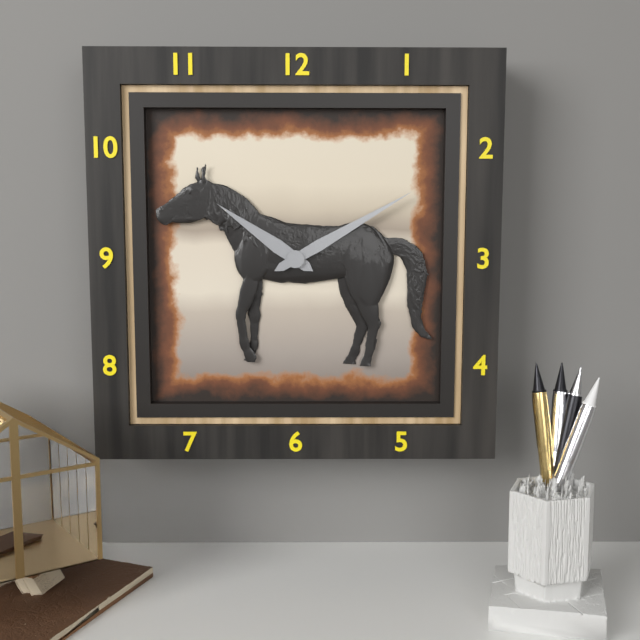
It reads 10 h 10 min
